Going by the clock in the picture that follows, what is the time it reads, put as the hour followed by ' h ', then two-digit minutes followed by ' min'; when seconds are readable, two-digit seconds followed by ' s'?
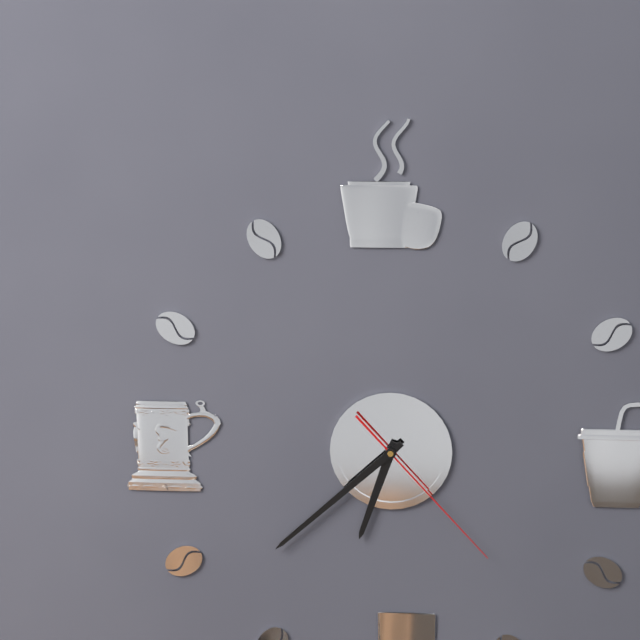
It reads 6 h 38 min 23 s
